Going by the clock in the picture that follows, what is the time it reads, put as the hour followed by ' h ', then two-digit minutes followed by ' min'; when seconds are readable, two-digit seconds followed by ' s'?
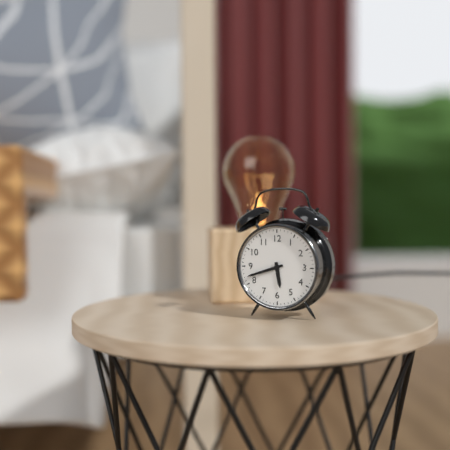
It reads 5 h 42 min
